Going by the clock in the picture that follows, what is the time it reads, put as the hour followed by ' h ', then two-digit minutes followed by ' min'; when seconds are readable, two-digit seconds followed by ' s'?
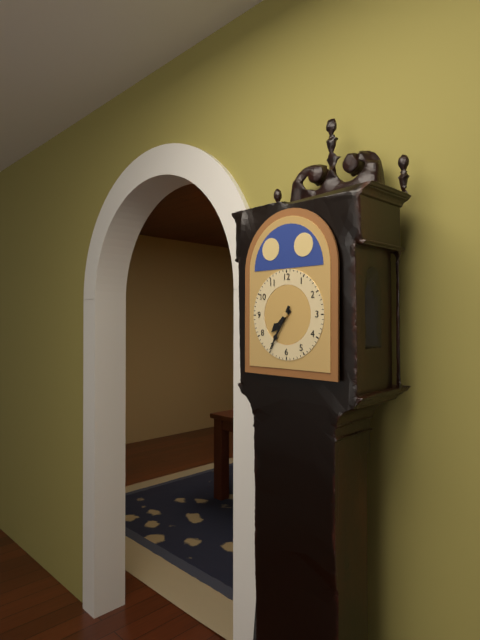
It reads 7 h 35 min
